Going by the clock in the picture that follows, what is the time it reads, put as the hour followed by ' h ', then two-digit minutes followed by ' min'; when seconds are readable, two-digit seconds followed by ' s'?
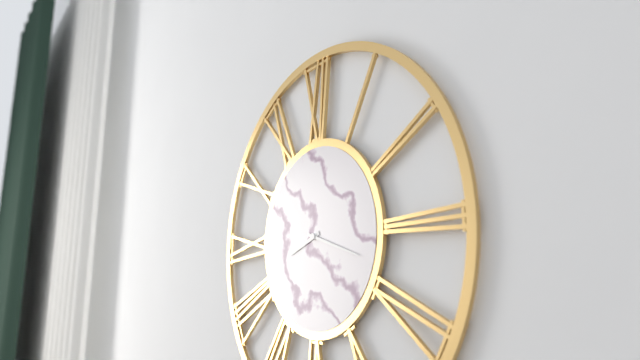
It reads 8 h 18 min
